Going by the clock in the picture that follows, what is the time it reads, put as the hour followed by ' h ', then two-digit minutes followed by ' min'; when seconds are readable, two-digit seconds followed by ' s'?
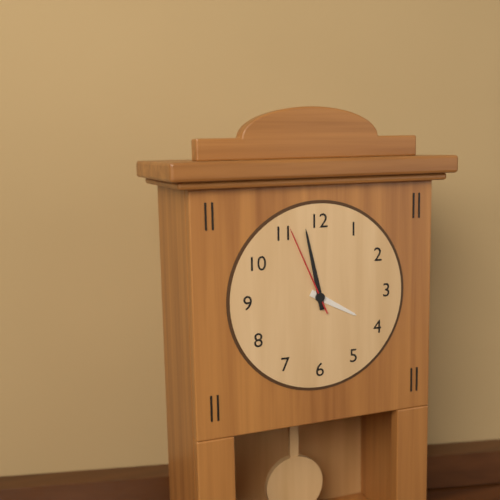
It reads 3 h 58 min 56 s
